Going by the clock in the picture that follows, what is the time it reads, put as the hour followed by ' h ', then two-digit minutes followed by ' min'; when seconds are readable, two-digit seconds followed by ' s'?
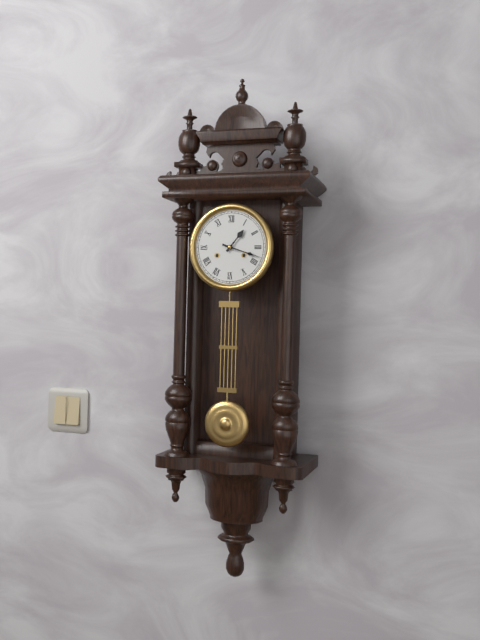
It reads 1 h 18 min
